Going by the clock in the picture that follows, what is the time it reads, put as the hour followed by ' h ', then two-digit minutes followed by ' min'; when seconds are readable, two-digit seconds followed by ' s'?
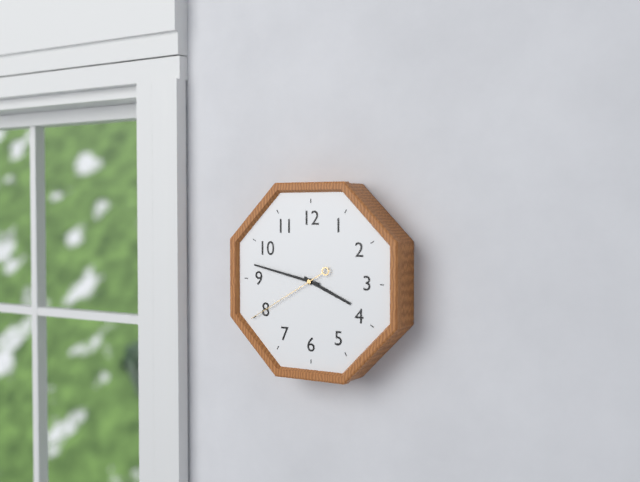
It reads 3 h 47 min 40 s
